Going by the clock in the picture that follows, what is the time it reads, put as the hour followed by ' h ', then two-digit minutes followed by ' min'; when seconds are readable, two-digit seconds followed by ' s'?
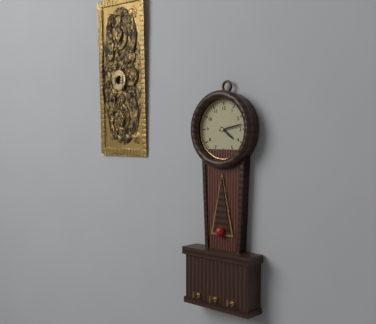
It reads 4 h 13 min
